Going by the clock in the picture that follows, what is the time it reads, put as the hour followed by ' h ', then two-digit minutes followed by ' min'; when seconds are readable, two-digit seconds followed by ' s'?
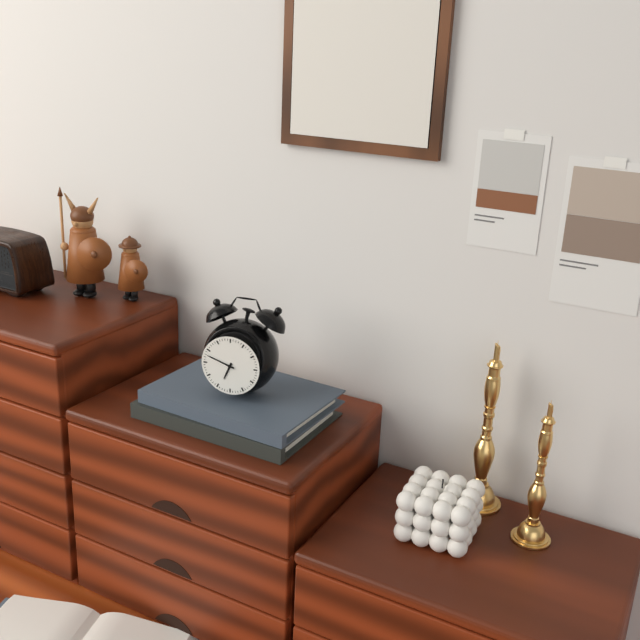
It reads 6 h 48 min
